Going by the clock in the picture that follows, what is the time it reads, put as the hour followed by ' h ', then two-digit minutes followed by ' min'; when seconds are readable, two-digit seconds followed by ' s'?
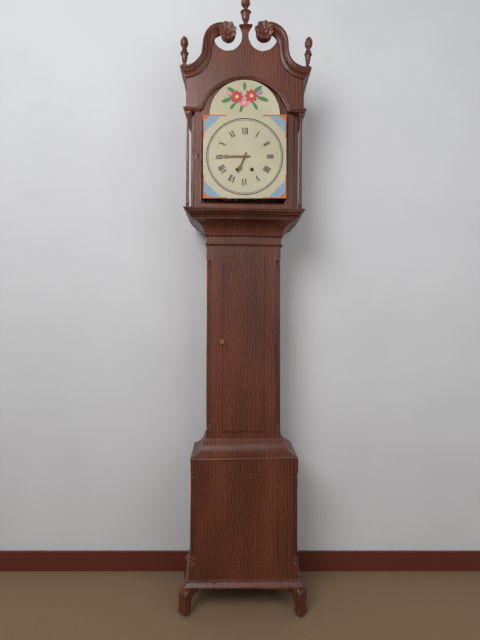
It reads 6 h 45 min
